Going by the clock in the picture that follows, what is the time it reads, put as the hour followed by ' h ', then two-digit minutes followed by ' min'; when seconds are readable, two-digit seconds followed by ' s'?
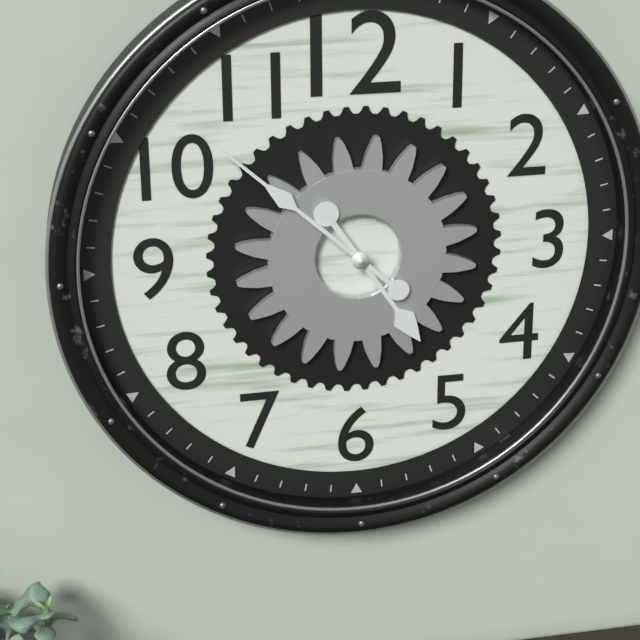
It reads 4 h 52 min
